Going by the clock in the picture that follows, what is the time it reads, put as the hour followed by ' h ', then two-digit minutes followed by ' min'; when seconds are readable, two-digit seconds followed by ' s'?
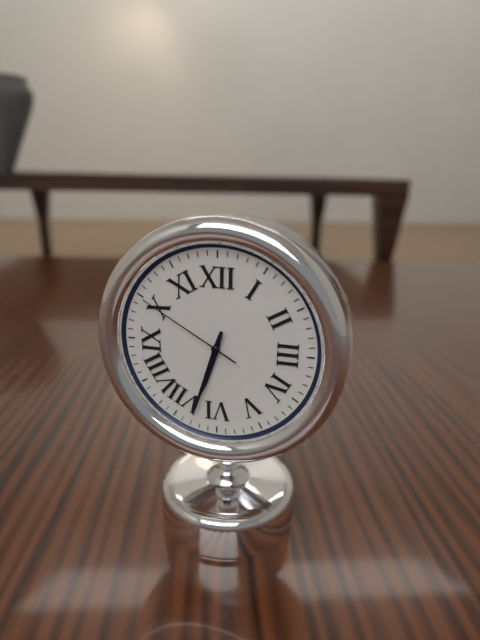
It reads 6 h 33 min 50 s
